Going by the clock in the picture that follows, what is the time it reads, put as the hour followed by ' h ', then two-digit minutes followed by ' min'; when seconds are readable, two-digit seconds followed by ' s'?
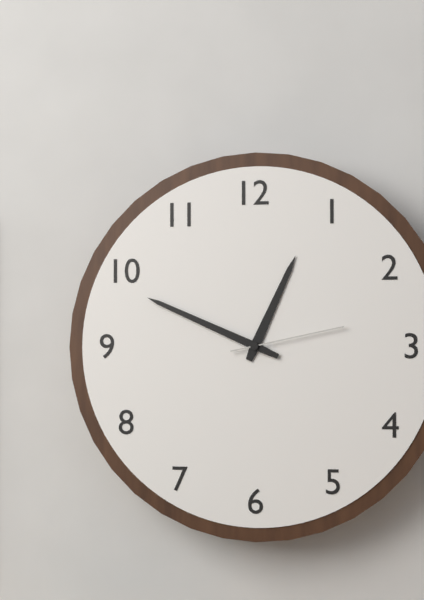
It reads 12 h 49 min 13 s
